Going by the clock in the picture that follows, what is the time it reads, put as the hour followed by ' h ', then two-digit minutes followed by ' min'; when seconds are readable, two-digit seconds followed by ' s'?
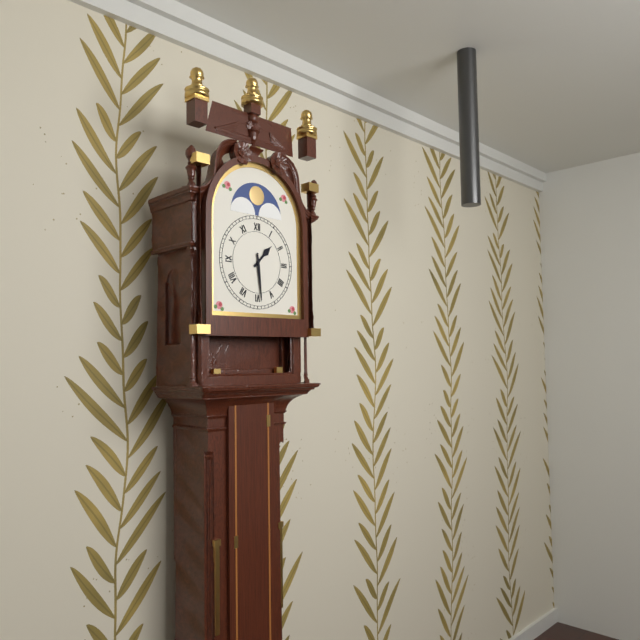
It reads 1 h 29 min
